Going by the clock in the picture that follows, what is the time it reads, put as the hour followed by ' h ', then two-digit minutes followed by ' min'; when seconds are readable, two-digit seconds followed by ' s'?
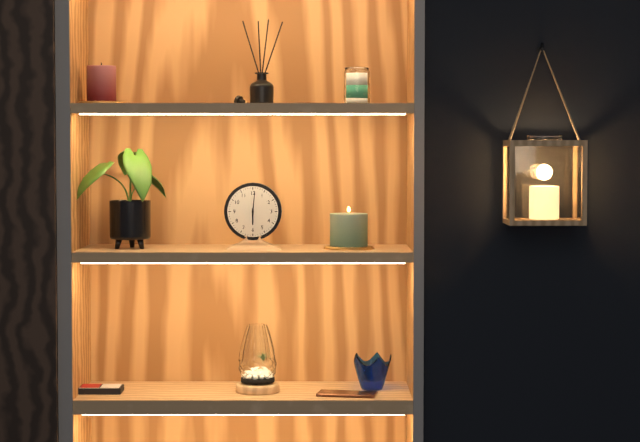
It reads 6 h 01 min
